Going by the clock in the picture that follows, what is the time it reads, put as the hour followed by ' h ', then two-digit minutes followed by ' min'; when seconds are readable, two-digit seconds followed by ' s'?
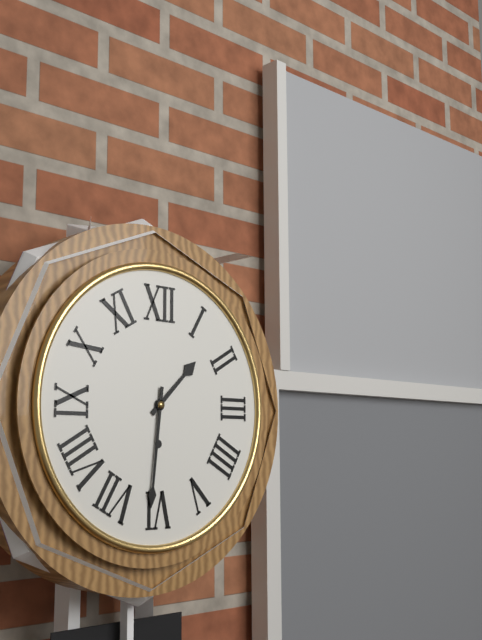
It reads 1 h 31 min
